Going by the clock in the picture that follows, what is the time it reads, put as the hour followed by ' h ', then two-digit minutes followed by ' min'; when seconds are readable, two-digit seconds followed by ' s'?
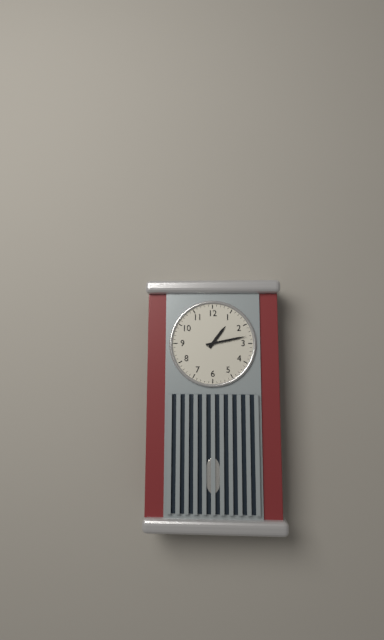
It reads 1 h 13 min
